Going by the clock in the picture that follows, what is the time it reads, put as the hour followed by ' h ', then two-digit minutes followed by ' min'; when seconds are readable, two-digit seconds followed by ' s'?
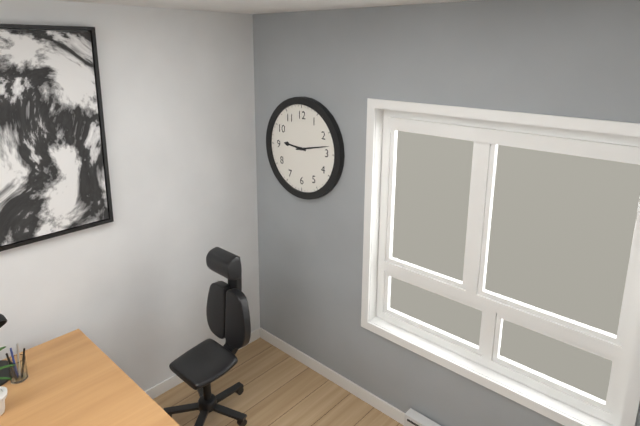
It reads 9 h 13 min
